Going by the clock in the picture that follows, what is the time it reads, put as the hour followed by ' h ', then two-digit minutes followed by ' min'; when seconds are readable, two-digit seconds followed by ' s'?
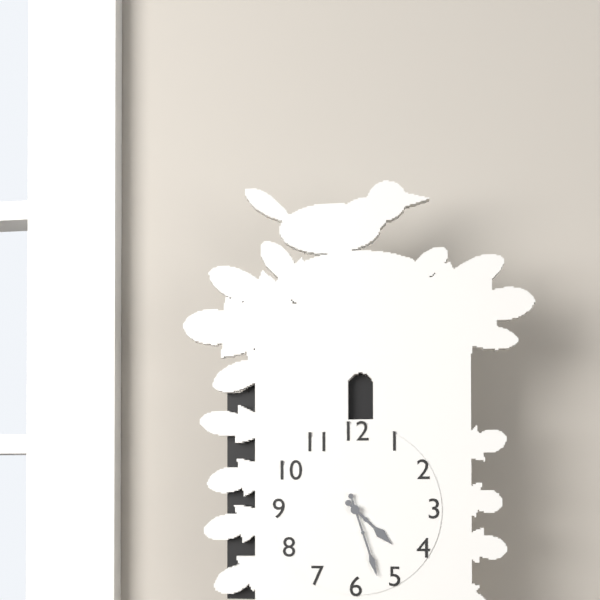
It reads 4 h 27 min
